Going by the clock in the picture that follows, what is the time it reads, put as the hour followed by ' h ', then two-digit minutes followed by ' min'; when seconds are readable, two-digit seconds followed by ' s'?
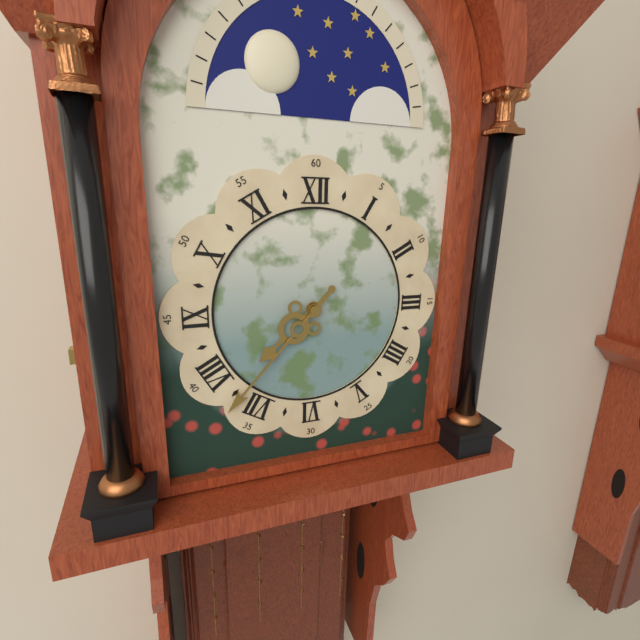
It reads 7 h 37 min
